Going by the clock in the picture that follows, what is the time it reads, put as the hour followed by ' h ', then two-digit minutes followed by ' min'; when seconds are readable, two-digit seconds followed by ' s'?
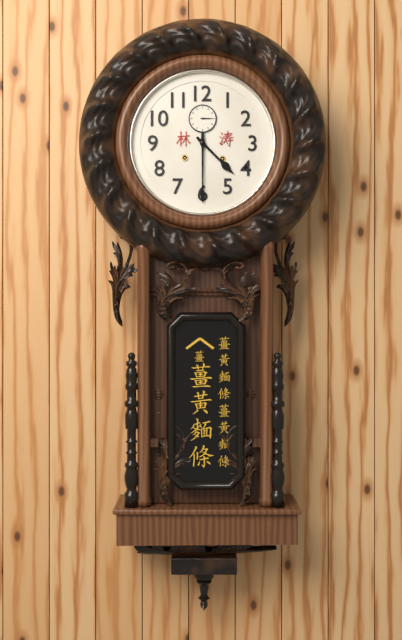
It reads 4 h 30 min
